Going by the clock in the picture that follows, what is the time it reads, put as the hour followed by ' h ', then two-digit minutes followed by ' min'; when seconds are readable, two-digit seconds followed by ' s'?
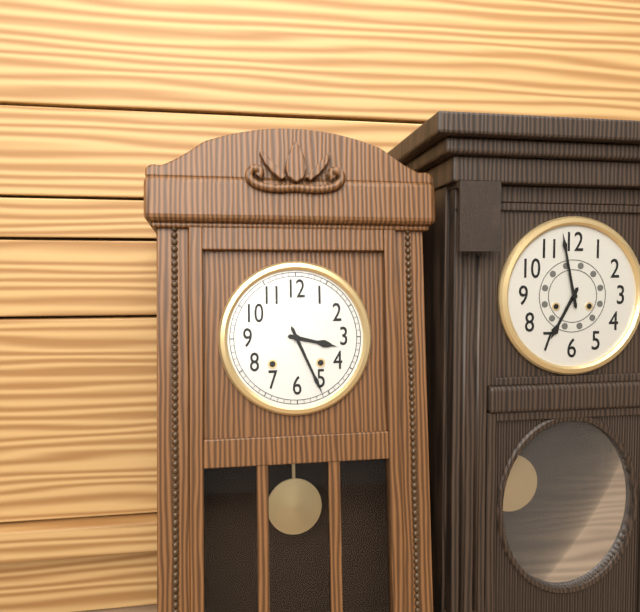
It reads 3 h 26 min
